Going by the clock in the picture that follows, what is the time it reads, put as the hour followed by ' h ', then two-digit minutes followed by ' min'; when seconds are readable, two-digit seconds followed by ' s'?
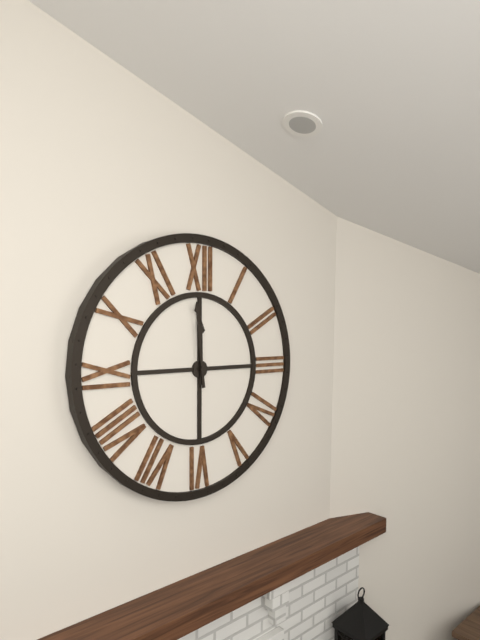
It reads 11 h 59 min
